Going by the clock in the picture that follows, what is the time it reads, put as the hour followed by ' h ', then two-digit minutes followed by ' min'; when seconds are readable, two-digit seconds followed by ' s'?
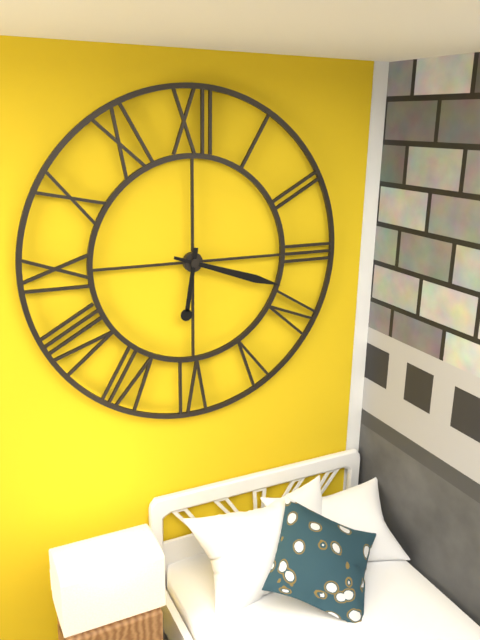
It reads 6 h 18 min
